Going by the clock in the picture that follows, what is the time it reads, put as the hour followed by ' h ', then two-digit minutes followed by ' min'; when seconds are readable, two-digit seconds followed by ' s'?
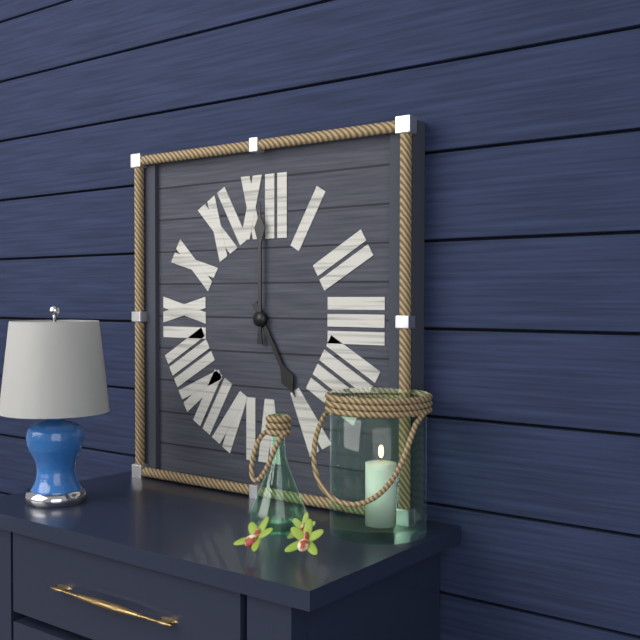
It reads 5 h 00 min
